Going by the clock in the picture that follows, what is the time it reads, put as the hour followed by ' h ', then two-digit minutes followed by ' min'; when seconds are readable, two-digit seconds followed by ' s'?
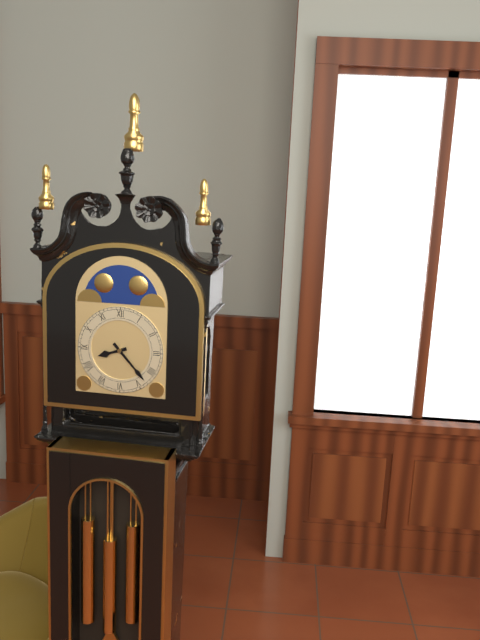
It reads 8 h 23 min
